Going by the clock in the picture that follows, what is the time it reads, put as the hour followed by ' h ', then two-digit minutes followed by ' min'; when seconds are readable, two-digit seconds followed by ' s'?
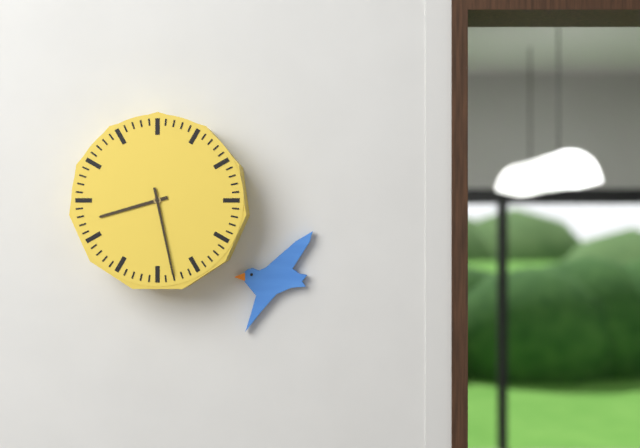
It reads 8 h 28 min
